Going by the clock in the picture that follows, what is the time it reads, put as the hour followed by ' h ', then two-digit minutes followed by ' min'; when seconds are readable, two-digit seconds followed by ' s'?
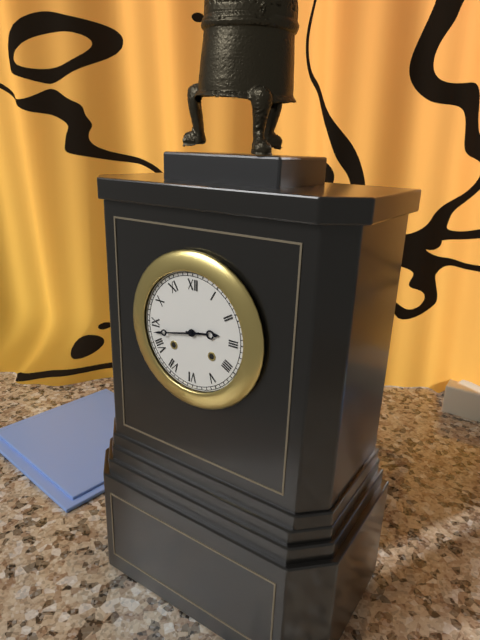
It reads 2 h 43 min
